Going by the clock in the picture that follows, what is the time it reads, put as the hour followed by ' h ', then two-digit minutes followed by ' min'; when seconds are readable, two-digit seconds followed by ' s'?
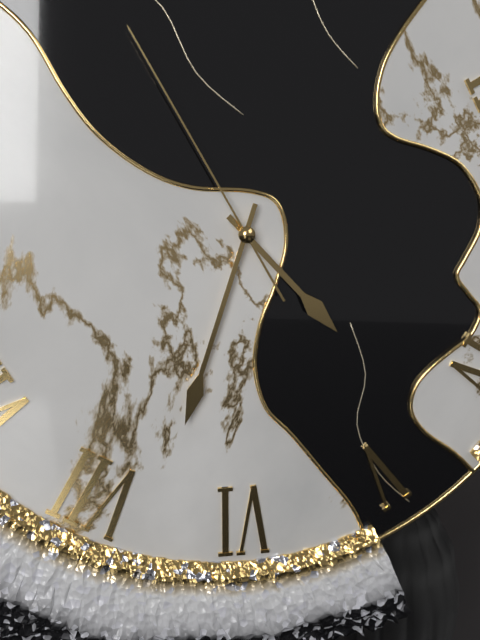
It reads 4 h 33 min 55 s
